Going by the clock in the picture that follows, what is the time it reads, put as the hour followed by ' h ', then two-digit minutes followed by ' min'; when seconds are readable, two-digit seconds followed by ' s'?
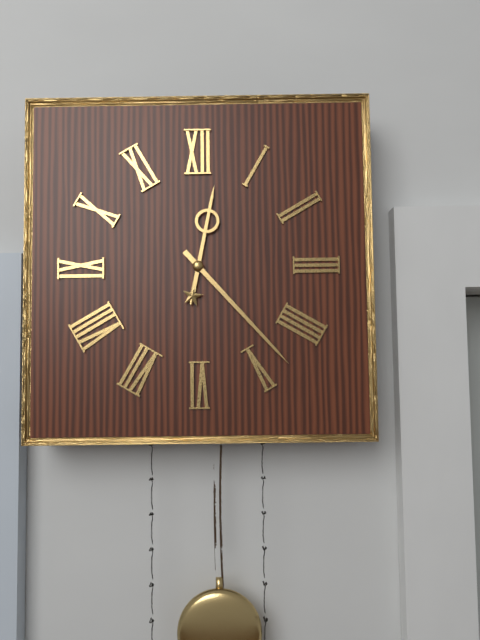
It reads 12 h 23 min
